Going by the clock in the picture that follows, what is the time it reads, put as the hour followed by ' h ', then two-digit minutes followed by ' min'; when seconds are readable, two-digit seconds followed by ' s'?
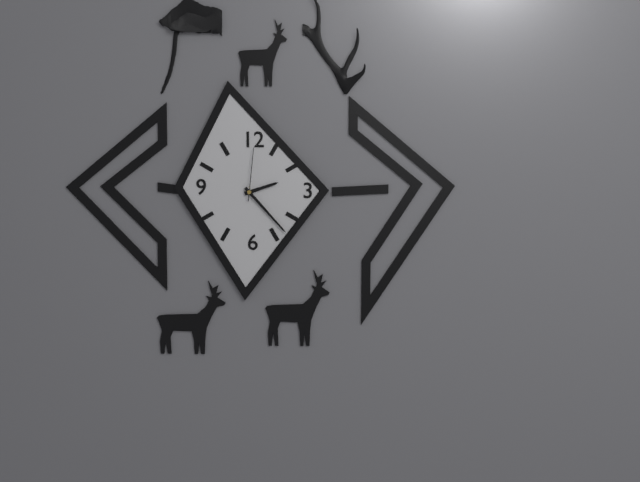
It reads 2 h 23 min 01 s
